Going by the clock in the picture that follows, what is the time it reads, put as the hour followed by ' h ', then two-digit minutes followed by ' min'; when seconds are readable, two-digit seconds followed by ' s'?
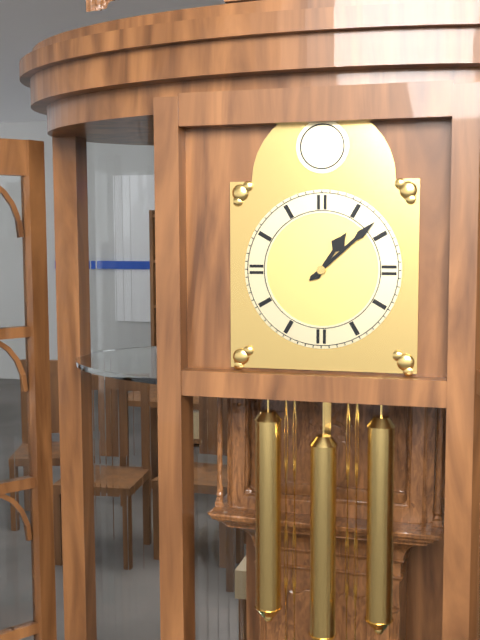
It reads 1 h 08 min
